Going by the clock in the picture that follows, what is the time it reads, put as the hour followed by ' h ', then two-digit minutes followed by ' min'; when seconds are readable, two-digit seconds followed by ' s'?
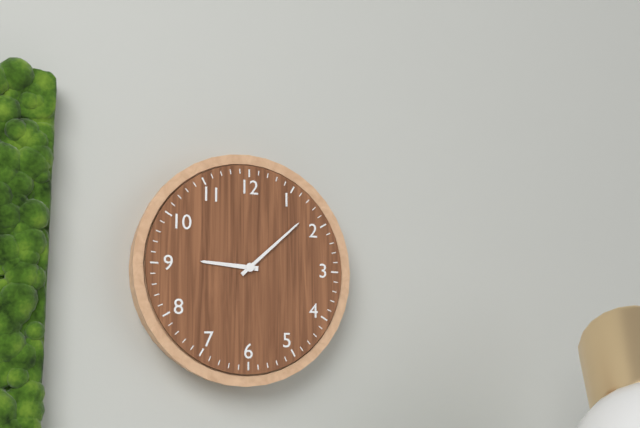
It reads 9 h 08 min
